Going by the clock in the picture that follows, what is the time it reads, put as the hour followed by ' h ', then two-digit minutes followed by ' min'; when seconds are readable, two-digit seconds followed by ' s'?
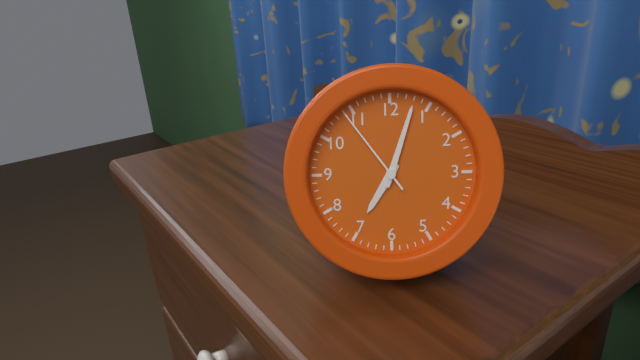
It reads 7 h 03 min 54 s
